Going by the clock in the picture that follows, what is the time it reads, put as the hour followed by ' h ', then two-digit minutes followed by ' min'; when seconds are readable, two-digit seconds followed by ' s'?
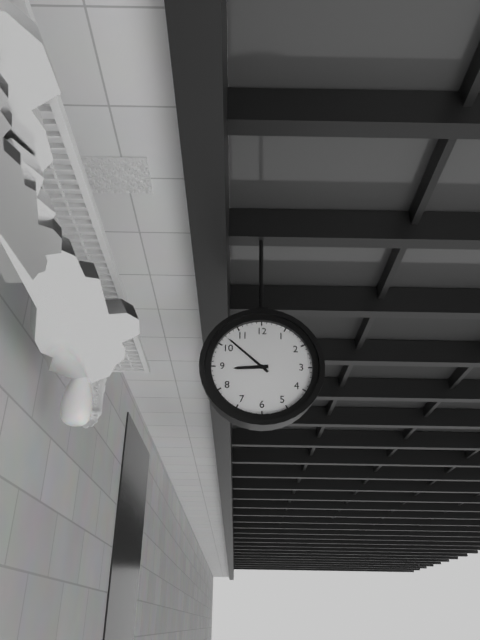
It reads 8 h 52 min
